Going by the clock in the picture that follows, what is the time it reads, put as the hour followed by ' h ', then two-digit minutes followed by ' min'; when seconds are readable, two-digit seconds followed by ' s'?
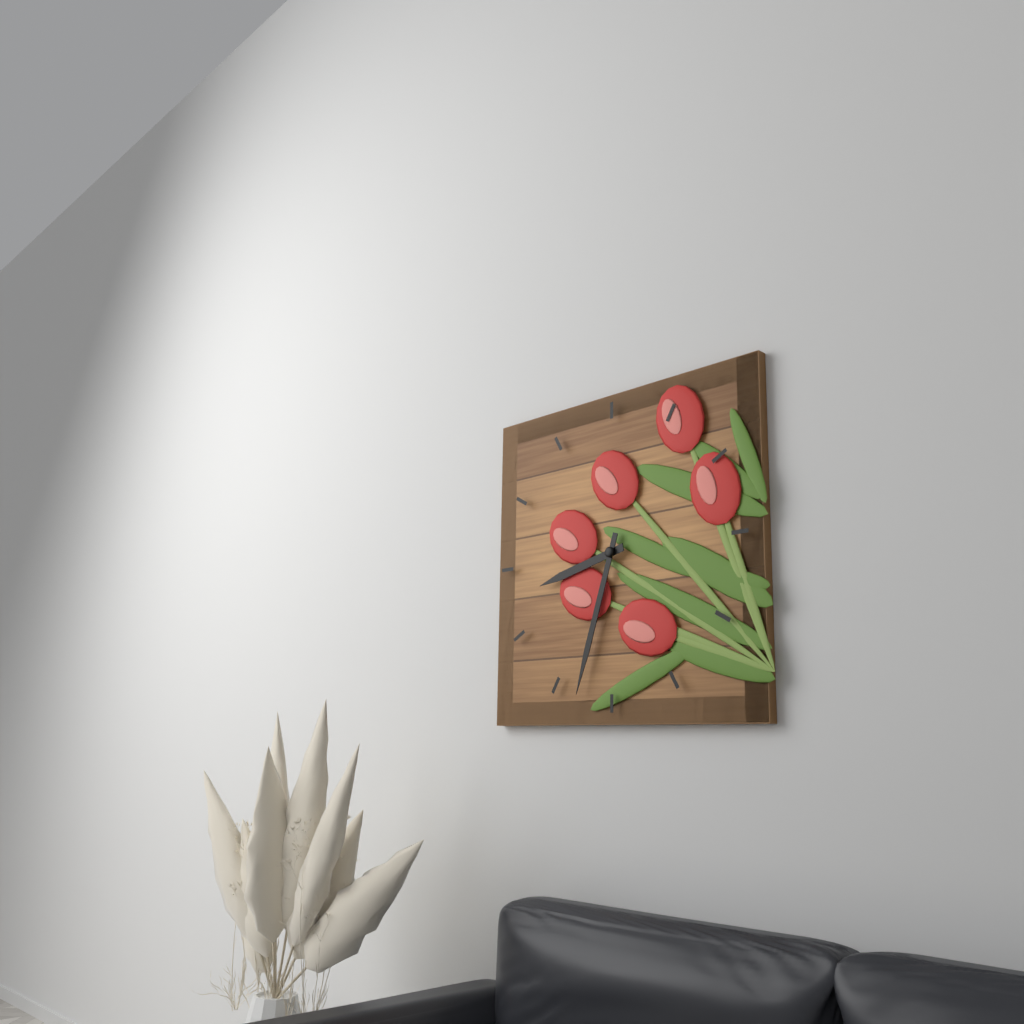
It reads 8 h 33 min
